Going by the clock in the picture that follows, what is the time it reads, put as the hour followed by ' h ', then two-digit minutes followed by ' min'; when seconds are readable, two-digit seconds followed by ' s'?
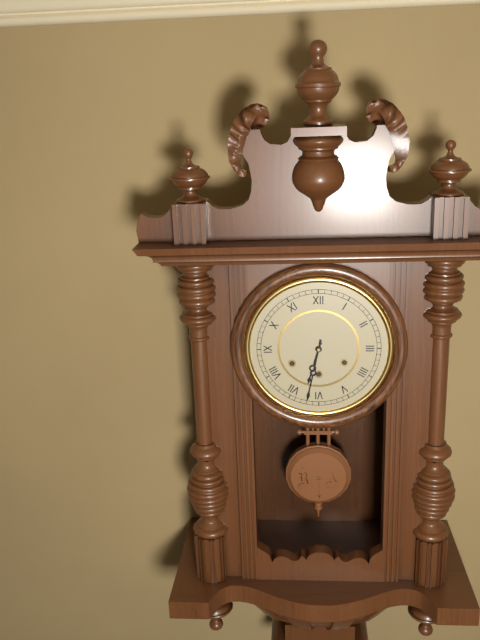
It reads 6 h 32 min
